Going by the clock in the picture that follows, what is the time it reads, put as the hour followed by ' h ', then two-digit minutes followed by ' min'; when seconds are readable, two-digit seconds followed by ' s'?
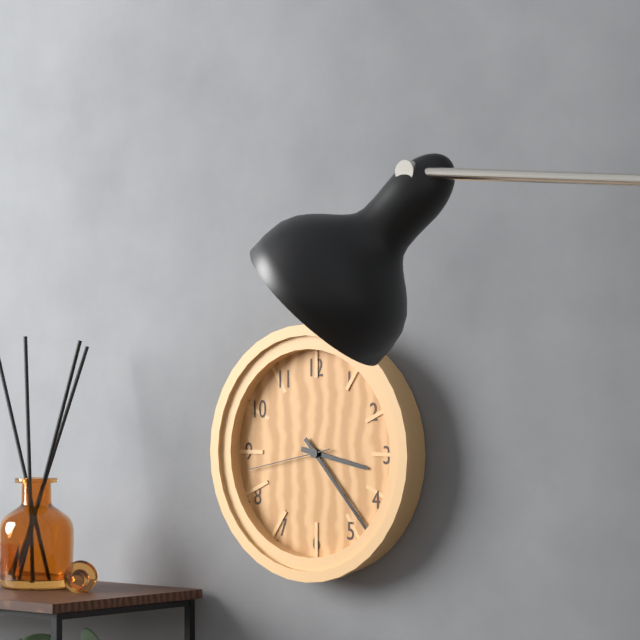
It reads 3 h 23 min 43 s
